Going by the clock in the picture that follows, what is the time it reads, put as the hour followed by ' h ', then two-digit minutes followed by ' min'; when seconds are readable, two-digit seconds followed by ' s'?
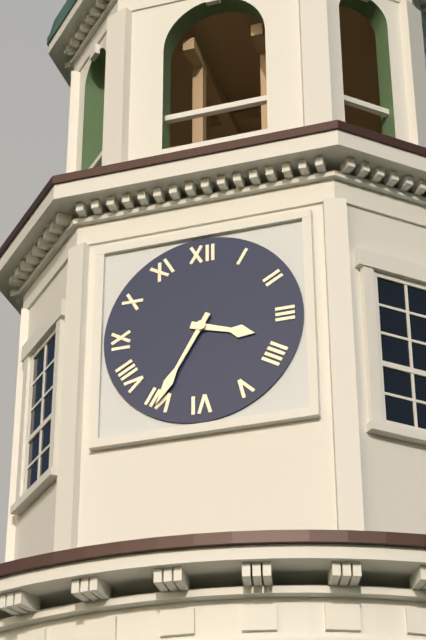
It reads 3 h 35 min
